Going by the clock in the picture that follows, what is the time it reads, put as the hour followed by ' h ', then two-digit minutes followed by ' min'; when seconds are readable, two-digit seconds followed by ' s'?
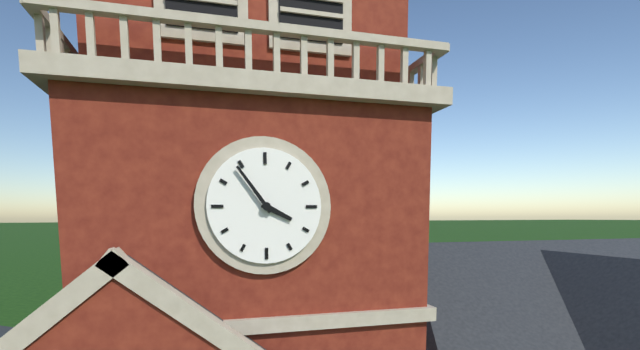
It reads 3 h 54 min
